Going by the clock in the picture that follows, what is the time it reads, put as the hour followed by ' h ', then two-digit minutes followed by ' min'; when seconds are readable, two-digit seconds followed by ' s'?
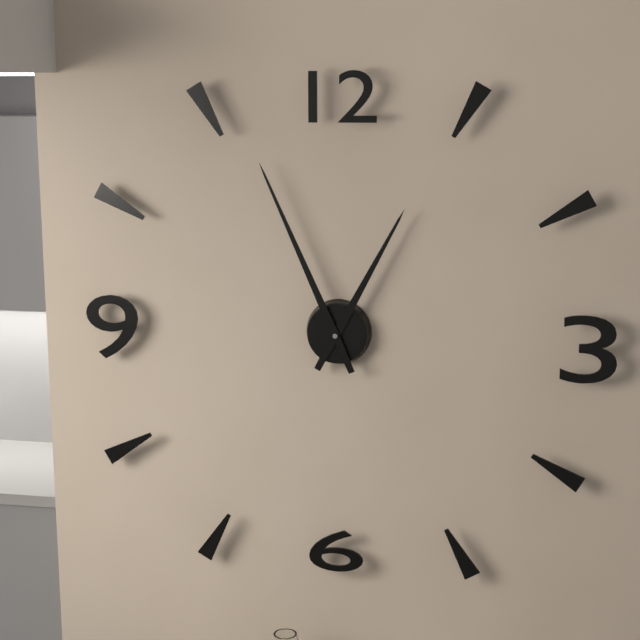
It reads 12 h 56 min
